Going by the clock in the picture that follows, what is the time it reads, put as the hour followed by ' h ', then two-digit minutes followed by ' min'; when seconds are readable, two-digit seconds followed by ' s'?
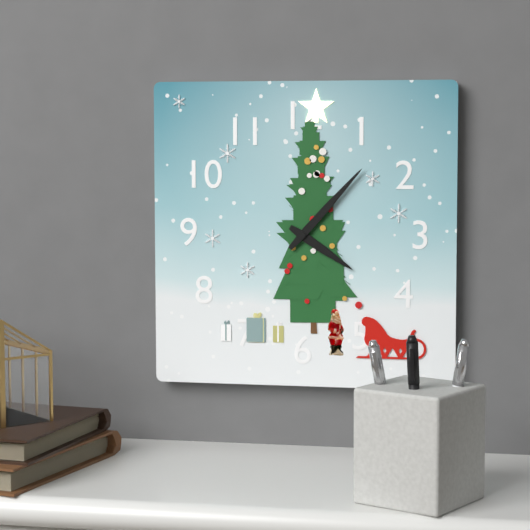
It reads 4 h 07 min
